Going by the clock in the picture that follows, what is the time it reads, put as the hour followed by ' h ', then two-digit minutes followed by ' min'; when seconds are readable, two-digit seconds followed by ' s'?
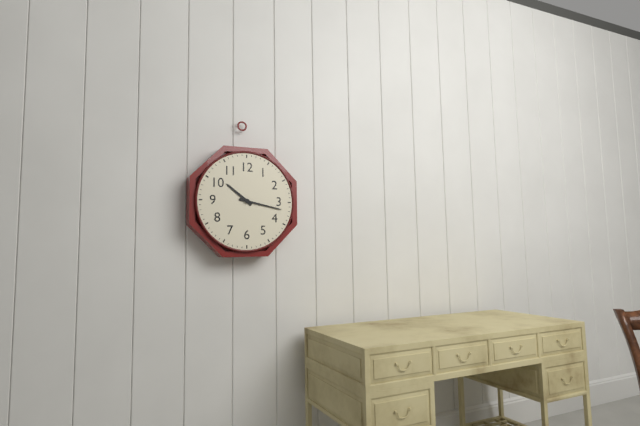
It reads 10 h 17 min
